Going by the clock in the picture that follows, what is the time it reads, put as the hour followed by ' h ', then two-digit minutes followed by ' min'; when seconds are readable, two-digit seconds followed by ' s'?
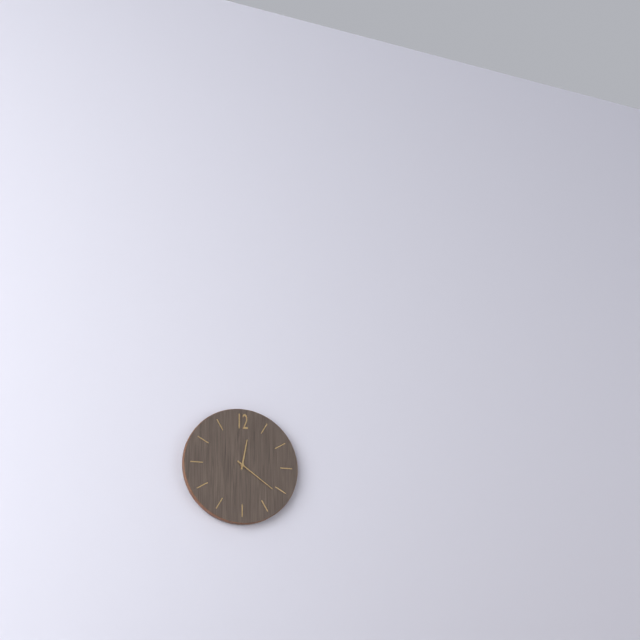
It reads 12 h 21 min
